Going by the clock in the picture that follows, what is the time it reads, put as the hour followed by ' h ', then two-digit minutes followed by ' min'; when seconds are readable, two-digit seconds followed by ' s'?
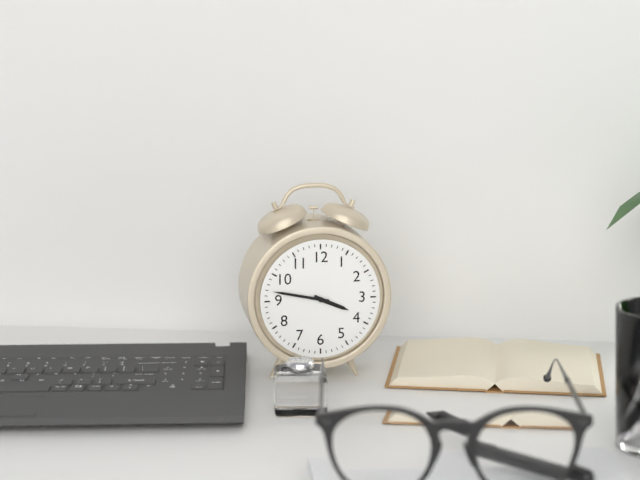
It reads 3 h 47 min
